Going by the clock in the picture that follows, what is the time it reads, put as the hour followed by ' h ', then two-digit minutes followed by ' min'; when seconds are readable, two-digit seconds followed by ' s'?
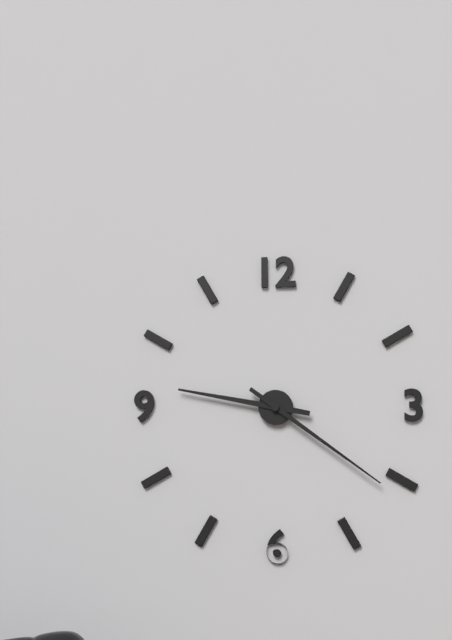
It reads 9 h 21 min
